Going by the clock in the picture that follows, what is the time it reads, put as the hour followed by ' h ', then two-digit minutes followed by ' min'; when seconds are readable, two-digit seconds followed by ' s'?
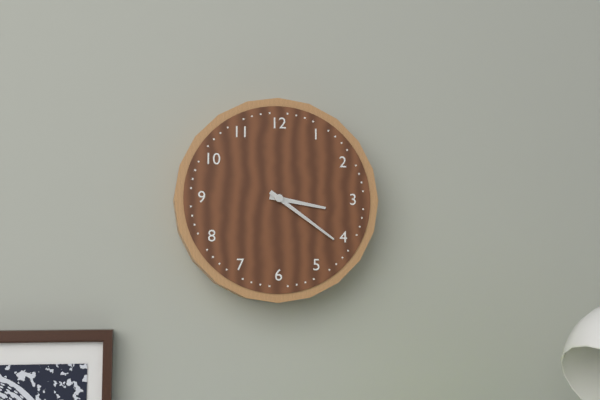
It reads 3 h 21 min
